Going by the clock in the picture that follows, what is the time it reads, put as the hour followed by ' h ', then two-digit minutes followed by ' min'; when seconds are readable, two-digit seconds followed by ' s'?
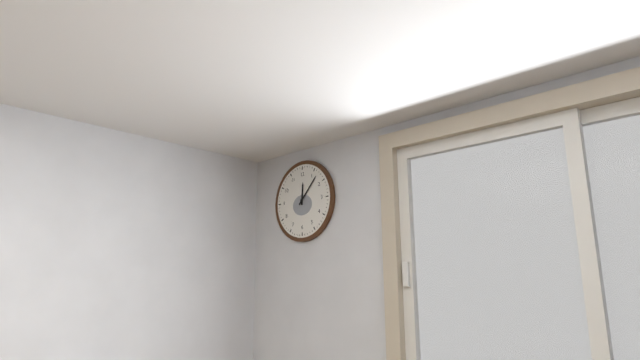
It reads 12 h 07 min
